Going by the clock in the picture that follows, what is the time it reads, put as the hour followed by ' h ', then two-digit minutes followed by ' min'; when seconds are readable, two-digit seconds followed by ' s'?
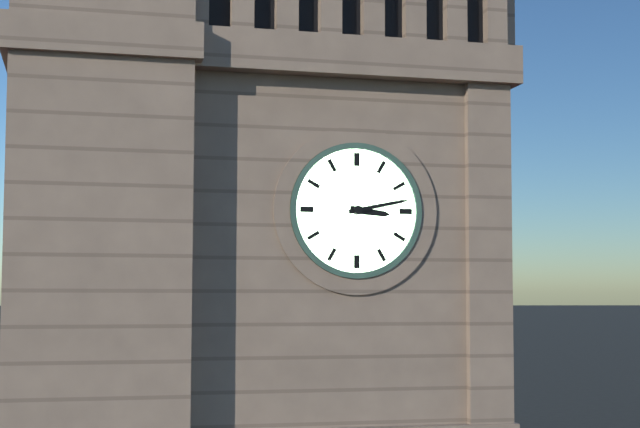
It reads 3 h 13 min
